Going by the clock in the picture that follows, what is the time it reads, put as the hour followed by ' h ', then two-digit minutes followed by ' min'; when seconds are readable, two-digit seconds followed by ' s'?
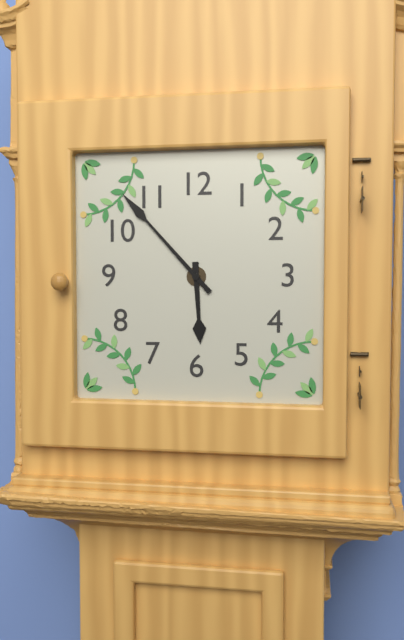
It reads 5 h 53 min
